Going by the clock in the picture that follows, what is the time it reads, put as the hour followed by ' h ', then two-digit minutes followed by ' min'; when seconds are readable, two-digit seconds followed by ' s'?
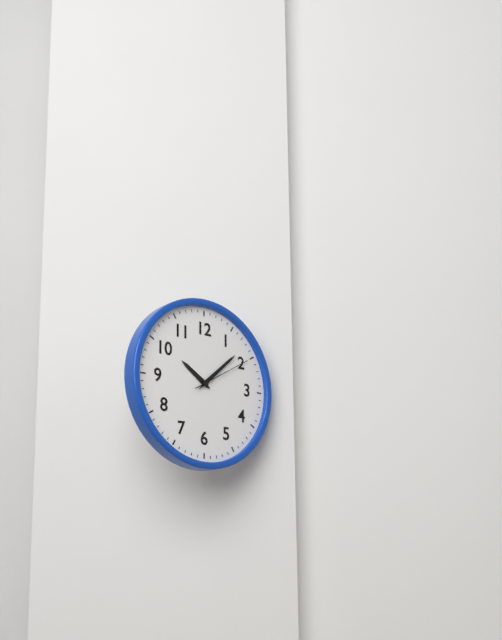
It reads 10 h 08 min 10 s
